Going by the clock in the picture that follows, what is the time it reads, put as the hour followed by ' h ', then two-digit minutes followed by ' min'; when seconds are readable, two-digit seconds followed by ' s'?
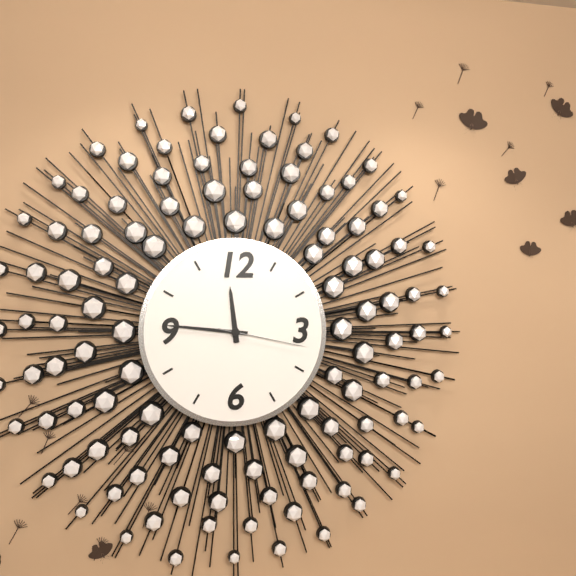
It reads 11 h 46 min 17 s
